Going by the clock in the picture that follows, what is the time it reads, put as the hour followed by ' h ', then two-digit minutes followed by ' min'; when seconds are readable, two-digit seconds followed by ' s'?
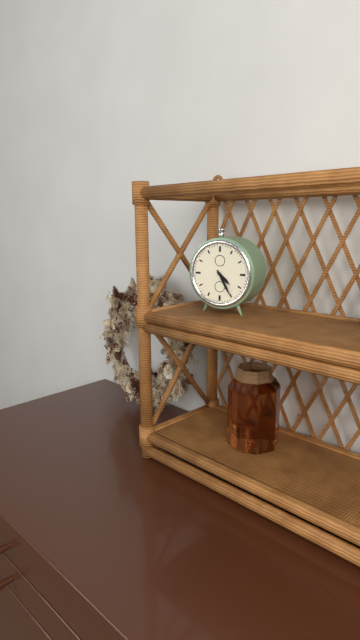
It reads 4 h 25 min
